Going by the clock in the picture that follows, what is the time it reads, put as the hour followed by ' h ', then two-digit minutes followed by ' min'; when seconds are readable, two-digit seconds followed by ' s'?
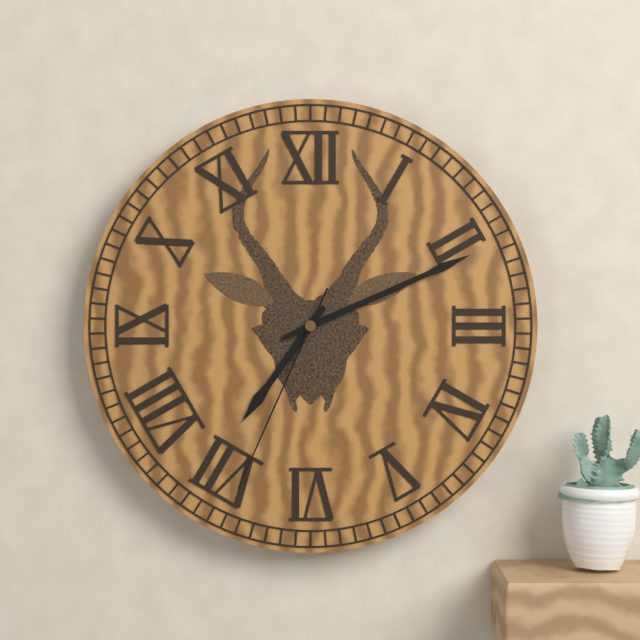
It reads 7 h 11 min 34 s
